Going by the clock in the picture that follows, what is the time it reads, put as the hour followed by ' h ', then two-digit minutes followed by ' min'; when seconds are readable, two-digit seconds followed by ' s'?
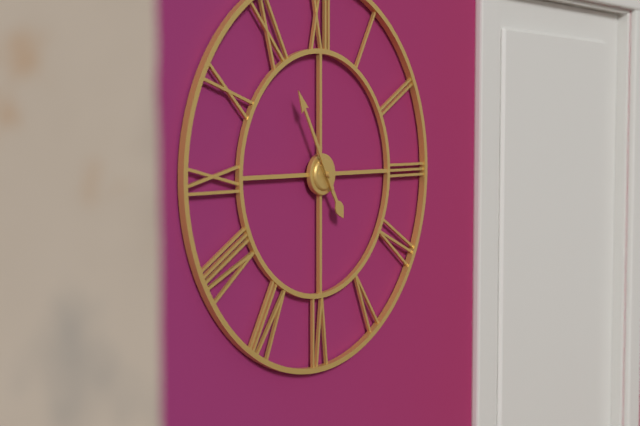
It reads 4 h 55 min
